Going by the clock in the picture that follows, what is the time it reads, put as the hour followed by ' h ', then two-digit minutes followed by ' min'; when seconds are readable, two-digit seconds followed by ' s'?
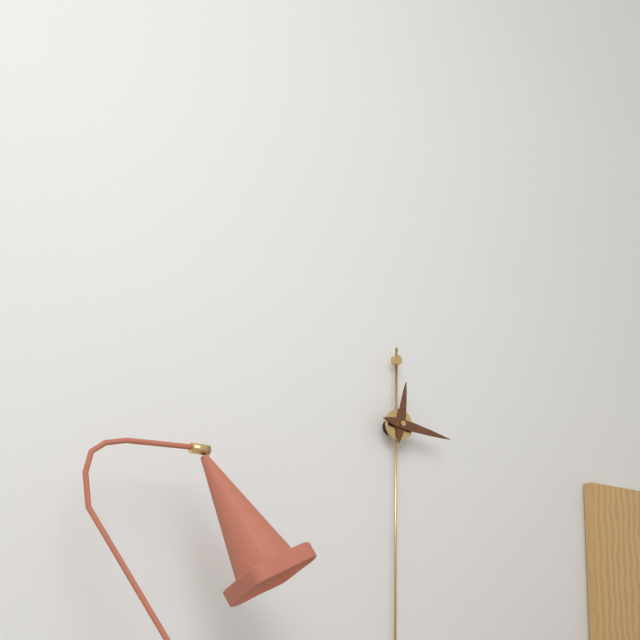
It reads 12 h 16 min
